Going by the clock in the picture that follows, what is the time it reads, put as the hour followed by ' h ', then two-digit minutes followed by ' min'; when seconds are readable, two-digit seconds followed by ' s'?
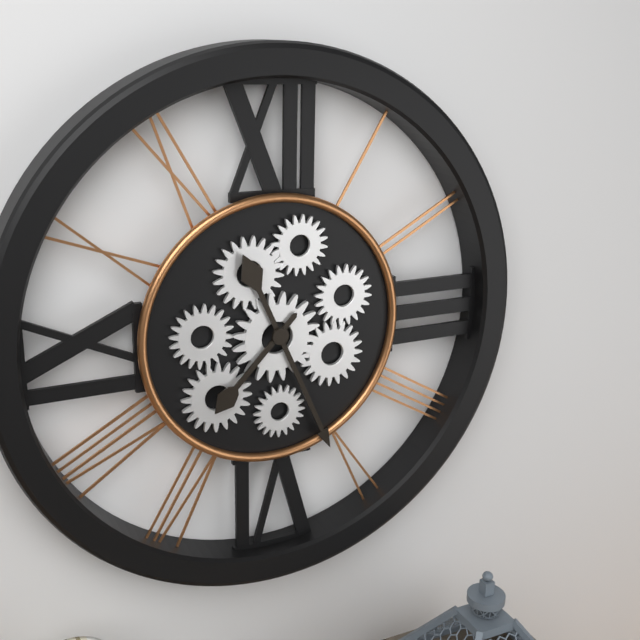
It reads 7 h 26 min
